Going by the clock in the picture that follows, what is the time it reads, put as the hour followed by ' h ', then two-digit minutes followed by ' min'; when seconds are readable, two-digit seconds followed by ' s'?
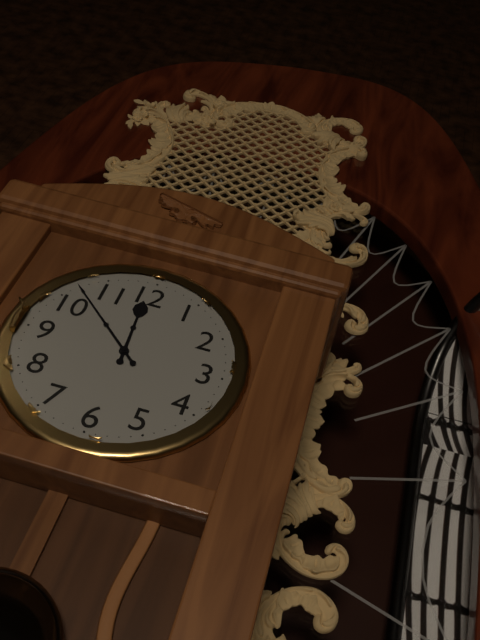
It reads 11 h 52 min
